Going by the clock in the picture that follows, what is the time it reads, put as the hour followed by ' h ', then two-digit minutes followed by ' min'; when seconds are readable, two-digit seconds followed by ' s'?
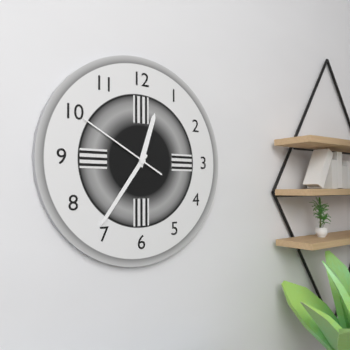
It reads 12 h 36 min 50 s
